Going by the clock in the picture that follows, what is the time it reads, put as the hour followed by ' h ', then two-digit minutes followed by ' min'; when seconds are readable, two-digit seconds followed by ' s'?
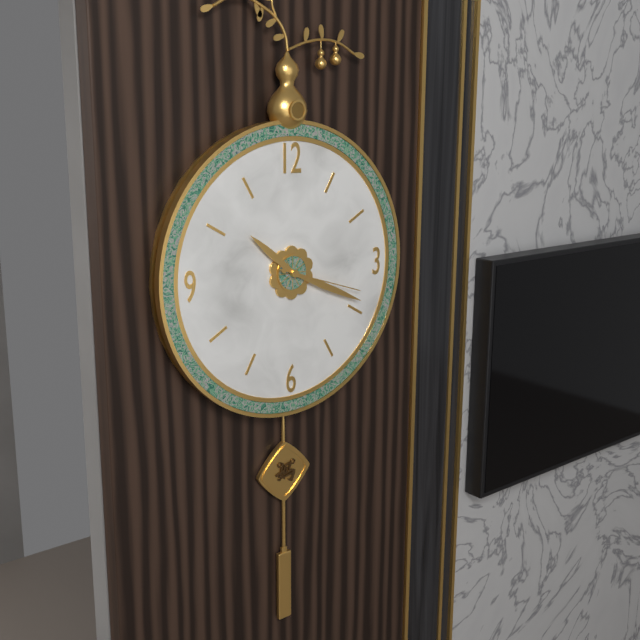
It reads 10 h 19 min 18 s
